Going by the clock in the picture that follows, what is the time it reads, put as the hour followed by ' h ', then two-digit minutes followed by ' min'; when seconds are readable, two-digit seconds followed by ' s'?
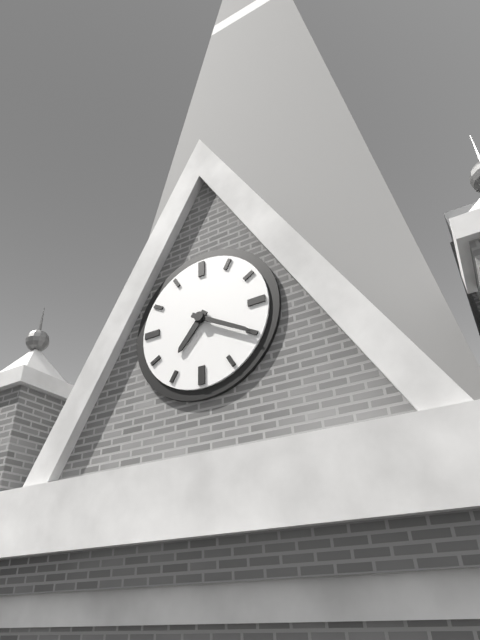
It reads 7 h 20 min
